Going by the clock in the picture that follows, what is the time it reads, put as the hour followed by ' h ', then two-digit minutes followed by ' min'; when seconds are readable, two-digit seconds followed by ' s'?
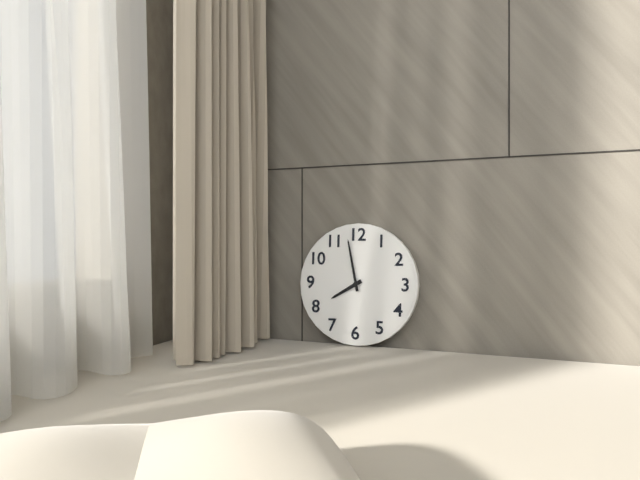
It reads 7 h 58 min
